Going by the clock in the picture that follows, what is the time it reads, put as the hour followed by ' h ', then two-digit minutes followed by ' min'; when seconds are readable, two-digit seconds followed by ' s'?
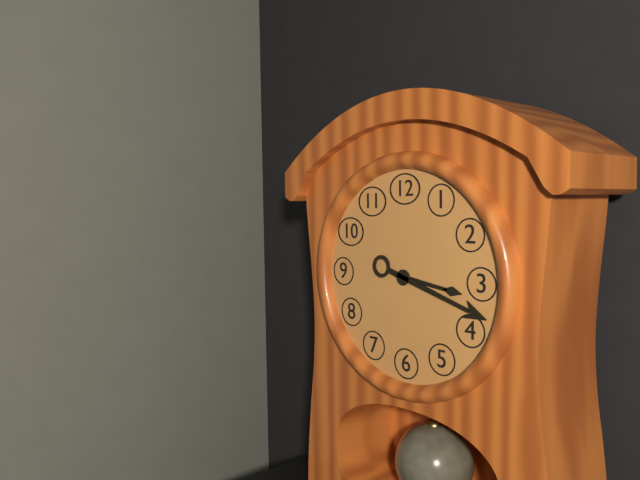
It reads 3 h 18 min
